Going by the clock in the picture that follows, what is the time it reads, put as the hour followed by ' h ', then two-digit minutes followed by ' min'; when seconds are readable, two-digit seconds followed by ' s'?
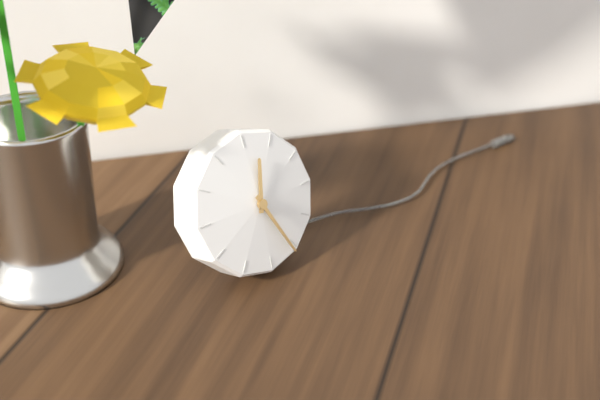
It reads 12 h 26 min
